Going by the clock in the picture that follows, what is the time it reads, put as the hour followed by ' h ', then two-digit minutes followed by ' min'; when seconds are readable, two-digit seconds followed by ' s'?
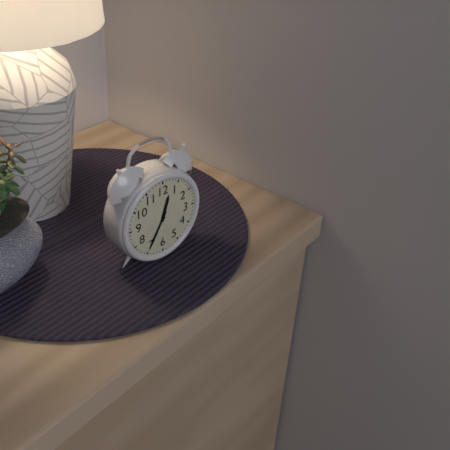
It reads 12 h 35 min
